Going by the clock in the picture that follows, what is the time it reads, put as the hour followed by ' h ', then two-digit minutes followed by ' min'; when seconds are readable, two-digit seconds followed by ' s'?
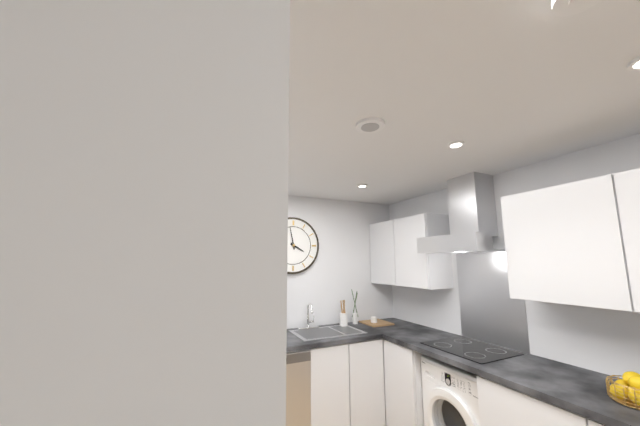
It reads 3 h 58 min
